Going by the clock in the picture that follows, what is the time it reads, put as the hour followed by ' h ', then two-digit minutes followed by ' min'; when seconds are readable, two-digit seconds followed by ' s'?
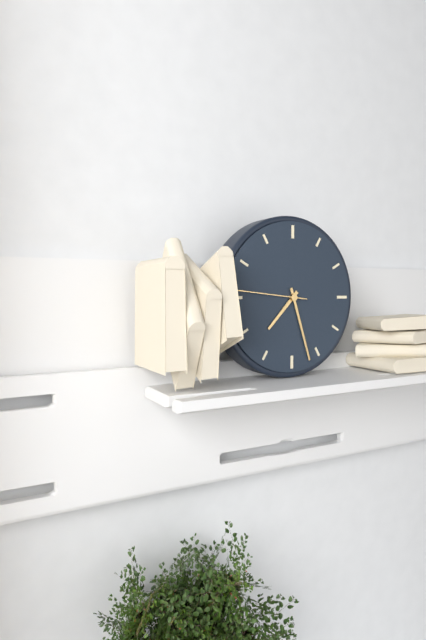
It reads 7 h 27 min 46 s
